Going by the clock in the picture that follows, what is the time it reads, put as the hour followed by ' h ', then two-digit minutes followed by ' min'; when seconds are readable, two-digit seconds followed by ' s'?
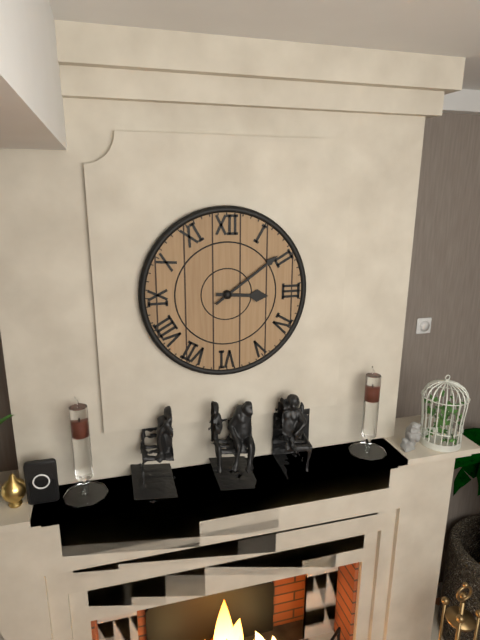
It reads 3 h 09 min
